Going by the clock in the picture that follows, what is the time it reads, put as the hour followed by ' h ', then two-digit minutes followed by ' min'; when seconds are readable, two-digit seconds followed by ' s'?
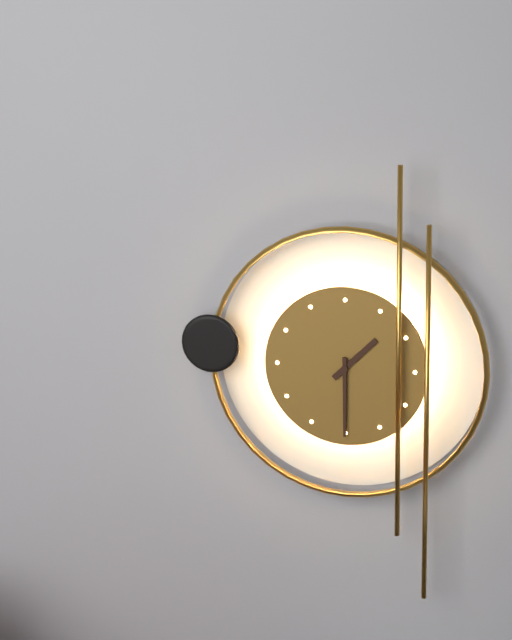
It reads 1 h 30 min
